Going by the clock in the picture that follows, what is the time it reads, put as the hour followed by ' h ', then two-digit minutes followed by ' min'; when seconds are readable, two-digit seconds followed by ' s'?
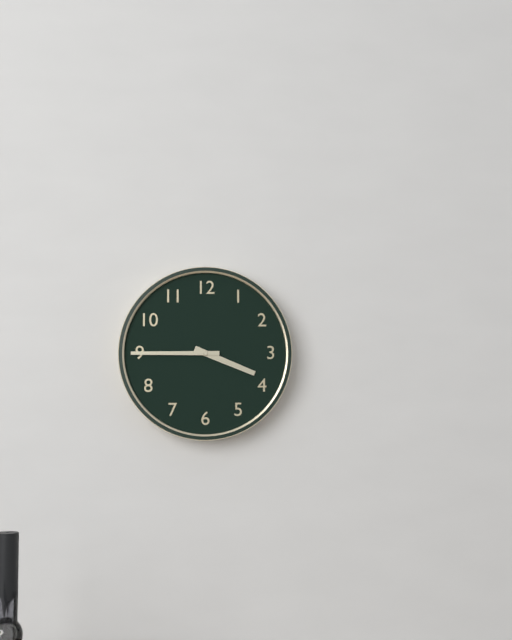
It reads 3 h 45 min
